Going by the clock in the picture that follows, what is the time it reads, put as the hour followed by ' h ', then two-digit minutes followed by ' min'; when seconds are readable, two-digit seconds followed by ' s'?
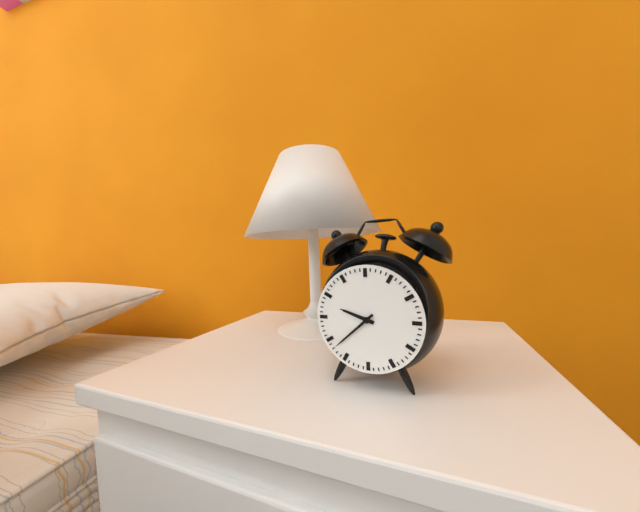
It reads 9 h 38 min
